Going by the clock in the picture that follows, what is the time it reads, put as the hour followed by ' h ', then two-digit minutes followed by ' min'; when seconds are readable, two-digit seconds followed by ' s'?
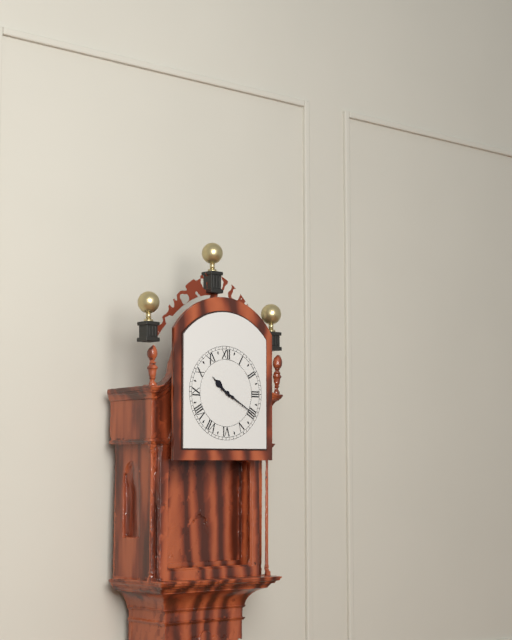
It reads 10 h 20 min
